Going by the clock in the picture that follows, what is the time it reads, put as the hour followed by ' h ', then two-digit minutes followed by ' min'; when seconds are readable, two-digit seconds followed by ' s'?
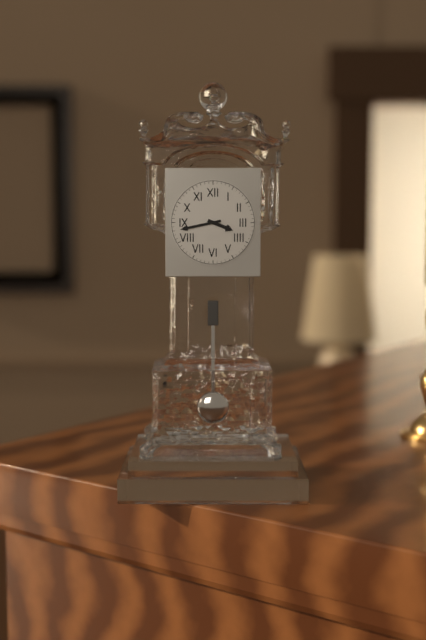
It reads 3 h 43 min
